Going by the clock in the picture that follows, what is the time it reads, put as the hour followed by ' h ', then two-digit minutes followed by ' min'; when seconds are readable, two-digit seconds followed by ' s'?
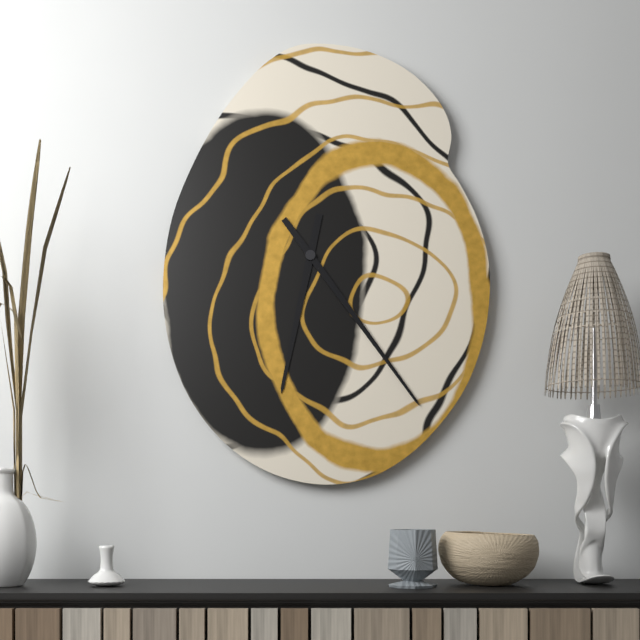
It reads 6 h 24 min
